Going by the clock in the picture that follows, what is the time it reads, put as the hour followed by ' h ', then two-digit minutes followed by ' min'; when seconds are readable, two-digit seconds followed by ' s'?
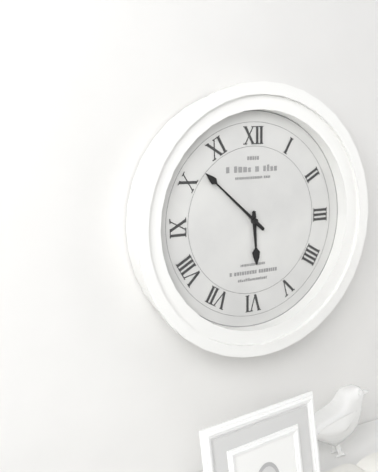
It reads 5 h 52 min
